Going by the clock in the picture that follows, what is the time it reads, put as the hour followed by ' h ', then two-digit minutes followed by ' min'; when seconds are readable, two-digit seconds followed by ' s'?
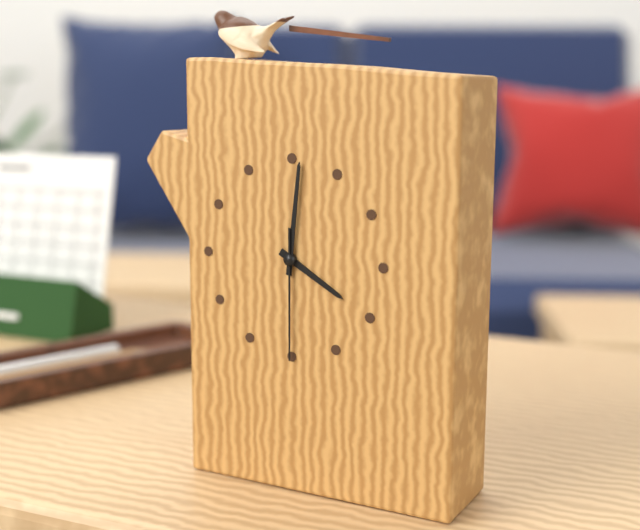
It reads 4 h 01 min 30 s
